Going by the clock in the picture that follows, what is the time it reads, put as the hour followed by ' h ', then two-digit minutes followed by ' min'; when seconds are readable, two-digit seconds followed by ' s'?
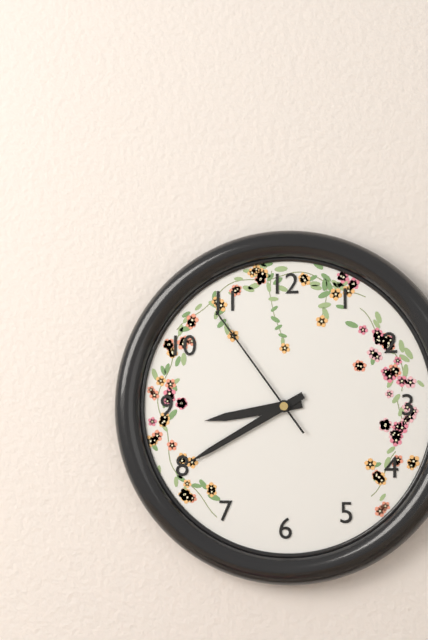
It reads 8 h 40 min 54 s
